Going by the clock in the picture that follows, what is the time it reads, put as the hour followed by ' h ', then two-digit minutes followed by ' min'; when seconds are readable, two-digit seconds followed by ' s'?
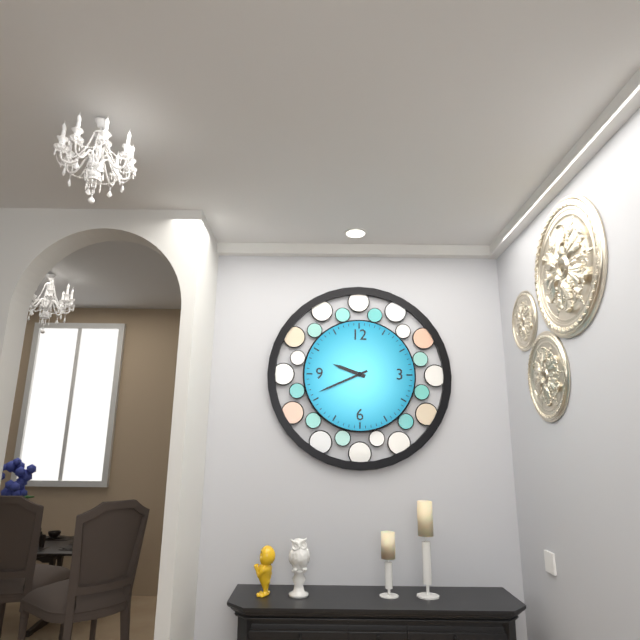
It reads 9 h 41 min
